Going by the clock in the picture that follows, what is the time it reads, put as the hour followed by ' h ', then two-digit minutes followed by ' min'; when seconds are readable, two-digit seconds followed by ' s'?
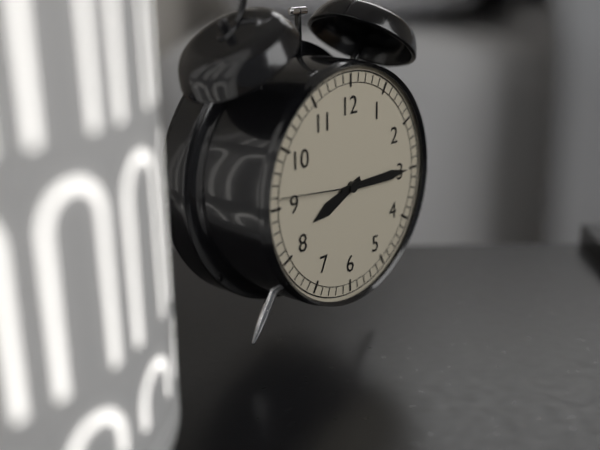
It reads 8 h 15 min 46 s
